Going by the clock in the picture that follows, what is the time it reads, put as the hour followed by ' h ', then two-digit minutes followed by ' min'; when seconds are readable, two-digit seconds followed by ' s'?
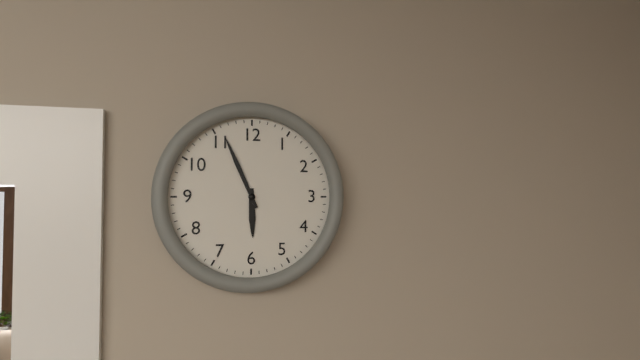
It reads 5 h 56 min
